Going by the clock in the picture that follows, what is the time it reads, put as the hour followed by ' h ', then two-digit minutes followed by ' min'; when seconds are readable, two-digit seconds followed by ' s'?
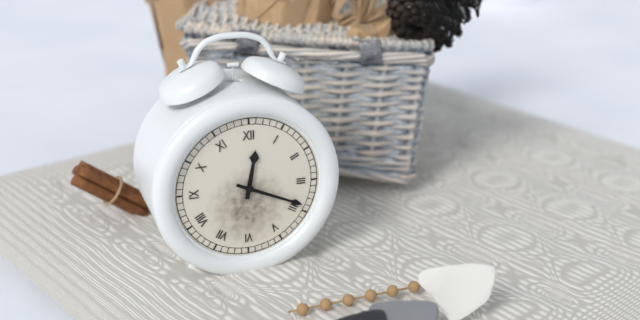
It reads 12 h 19 min
